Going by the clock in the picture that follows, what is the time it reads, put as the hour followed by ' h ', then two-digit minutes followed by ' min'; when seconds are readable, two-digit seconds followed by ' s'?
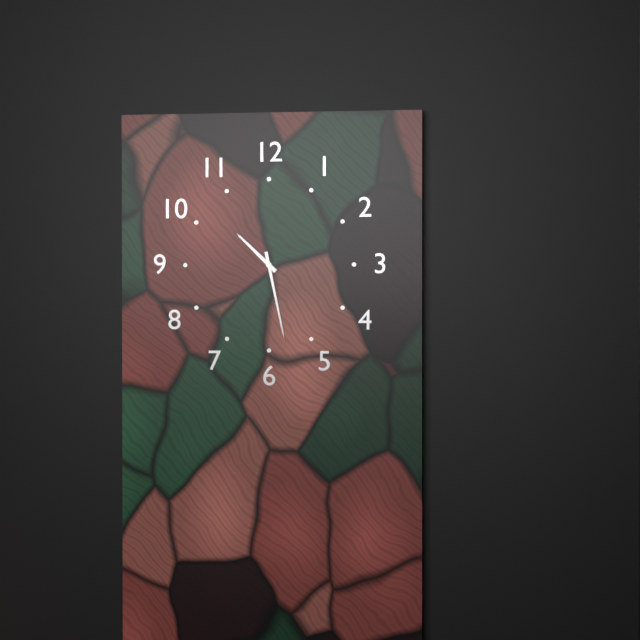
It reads 10 h 28 min
